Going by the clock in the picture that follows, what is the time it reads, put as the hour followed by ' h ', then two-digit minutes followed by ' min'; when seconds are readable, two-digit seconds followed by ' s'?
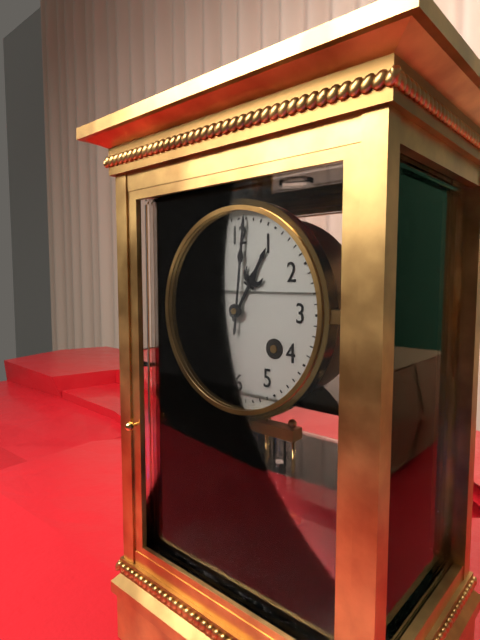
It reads 1 h 01 min
